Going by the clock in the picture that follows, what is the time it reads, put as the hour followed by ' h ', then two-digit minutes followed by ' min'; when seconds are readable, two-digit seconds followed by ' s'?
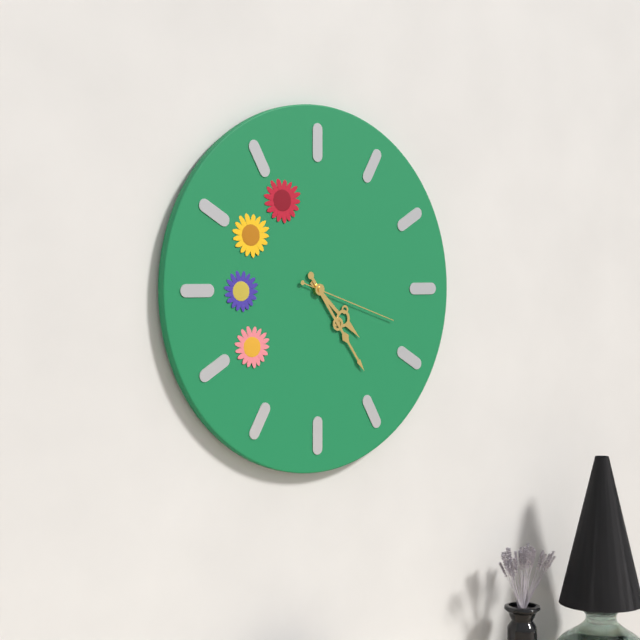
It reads 4 h 24 min 18 s
